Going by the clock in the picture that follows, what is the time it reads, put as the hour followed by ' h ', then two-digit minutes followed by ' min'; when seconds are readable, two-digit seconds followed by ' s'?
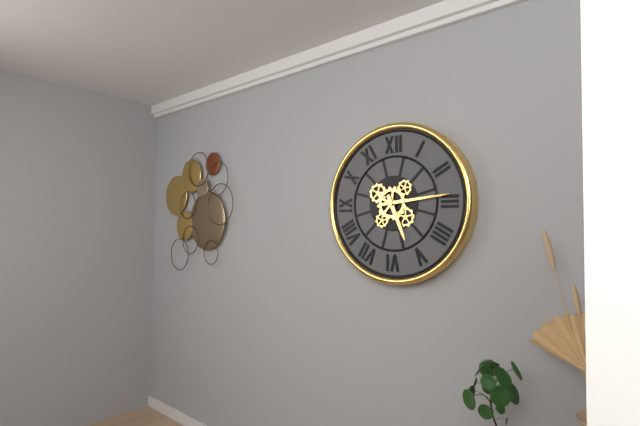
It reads 5 h 14 min
